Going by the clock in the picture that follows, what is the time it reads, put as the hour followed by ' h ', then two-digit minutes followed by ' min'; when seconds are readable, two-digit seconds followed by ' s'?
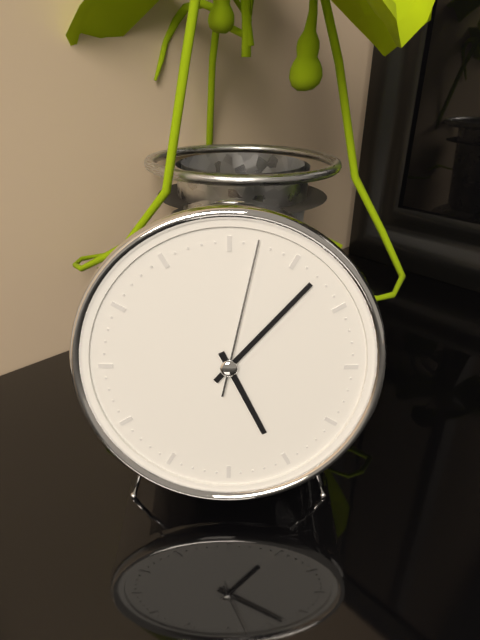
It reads 5 h 07 min 02 s
